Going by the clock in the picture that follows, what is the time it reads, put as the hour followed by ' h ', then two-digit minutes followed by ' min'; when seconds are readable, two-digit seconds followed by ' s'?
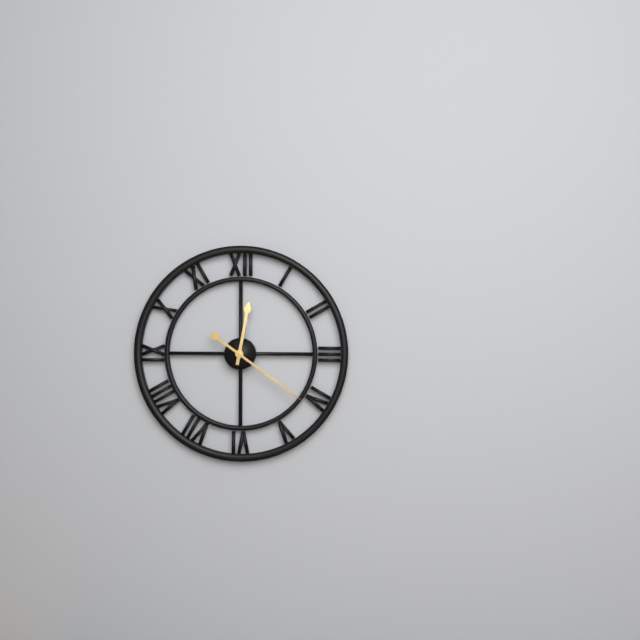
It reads 12 h 21 min
